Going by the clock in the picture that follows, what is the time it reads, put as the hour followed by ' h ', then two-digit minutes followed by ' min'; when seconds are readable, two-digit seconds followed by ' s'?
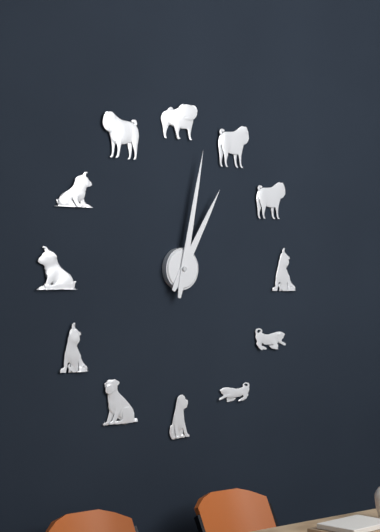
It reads 1 h 02 min
